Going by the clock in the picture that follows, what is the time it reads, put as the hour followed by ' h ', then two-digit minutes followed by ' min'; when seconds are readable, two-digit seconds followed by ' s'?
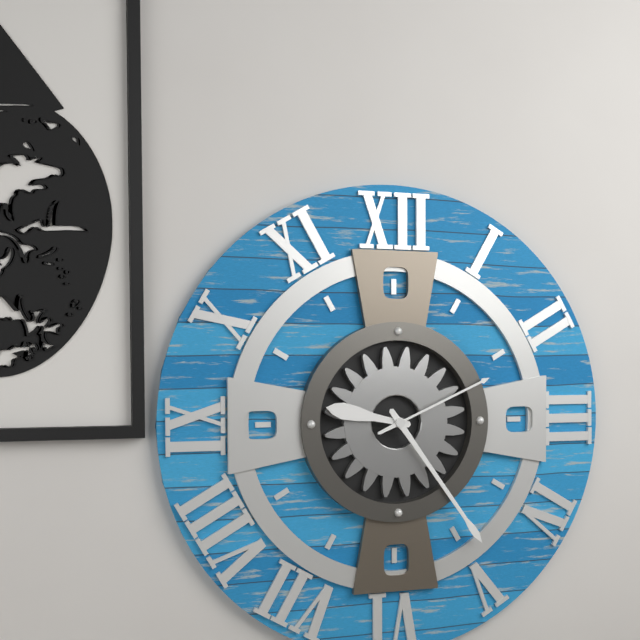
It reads 9 h 24 min 11 s
